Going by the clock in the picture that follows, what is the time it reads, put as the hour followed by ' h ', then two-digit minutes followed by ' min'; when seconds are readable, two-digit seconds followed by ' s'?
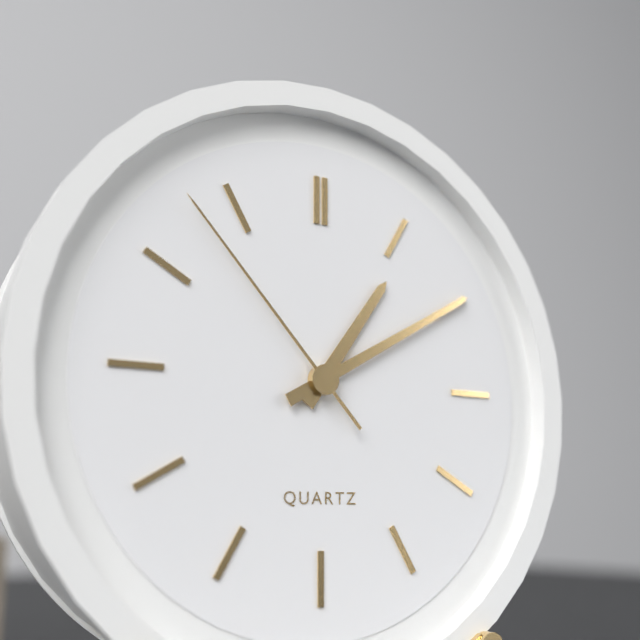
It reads 1 h 10 min 53 s
